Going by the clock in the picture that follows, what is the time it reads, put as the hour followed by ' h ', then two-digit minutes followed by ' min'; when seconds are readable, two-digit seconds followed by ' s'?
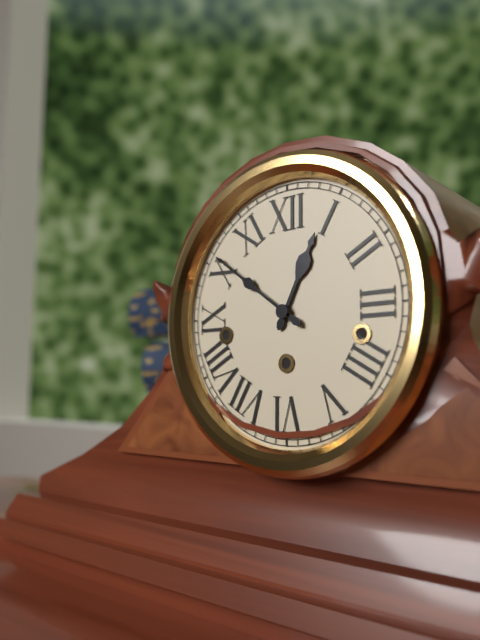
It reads 12 h 51 min
